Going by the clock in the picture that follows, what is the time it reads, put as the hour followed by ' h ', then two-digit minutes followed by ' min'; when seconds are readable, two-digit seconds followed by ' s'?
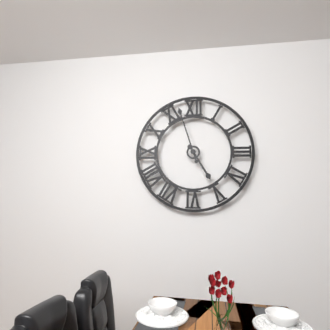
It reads 4 h 57 min
